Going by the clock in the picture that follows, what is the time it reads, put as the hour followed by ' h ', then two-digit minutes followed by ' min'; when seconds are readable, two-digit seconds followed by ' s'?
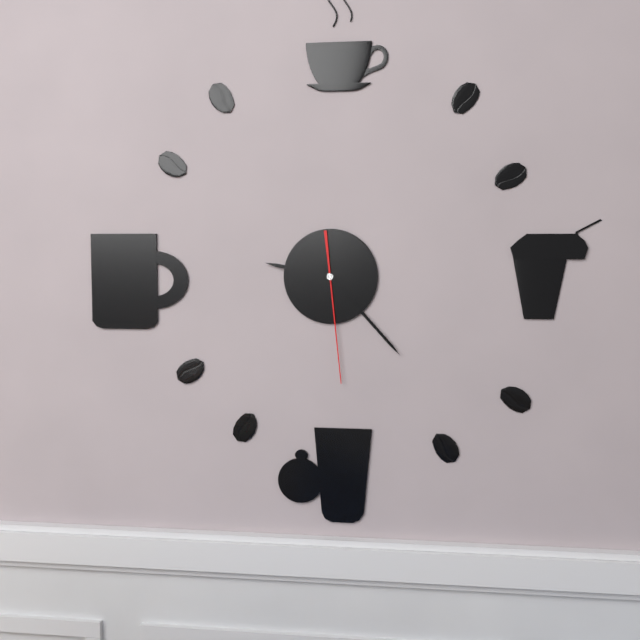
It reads 9 h 23 min 29 s
